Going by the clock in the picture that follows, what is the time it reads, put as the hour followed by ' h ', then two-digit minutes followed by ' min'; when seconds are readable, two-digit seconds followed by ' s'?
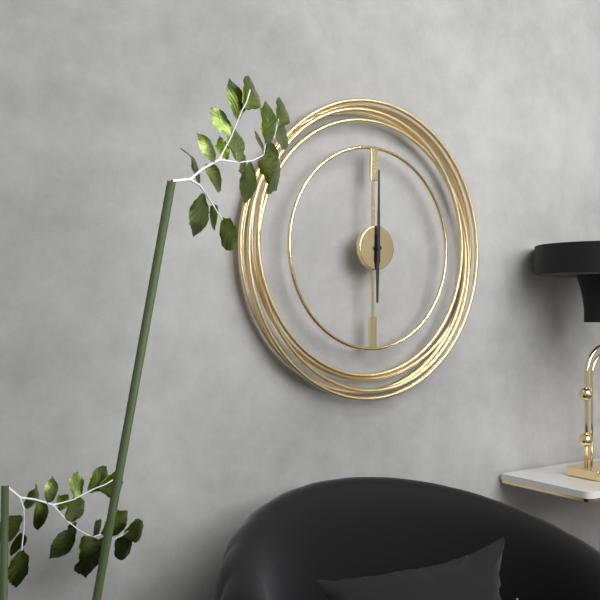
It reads 6 h 00 min
